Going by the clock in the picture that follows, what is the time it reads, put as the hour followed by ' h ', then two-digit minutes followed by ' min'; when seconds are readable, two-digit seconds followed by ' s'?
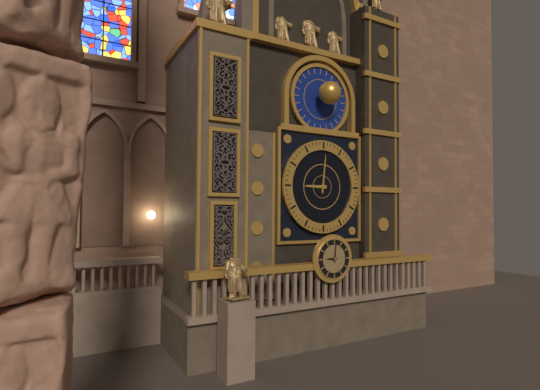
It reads 9 h 01 min
